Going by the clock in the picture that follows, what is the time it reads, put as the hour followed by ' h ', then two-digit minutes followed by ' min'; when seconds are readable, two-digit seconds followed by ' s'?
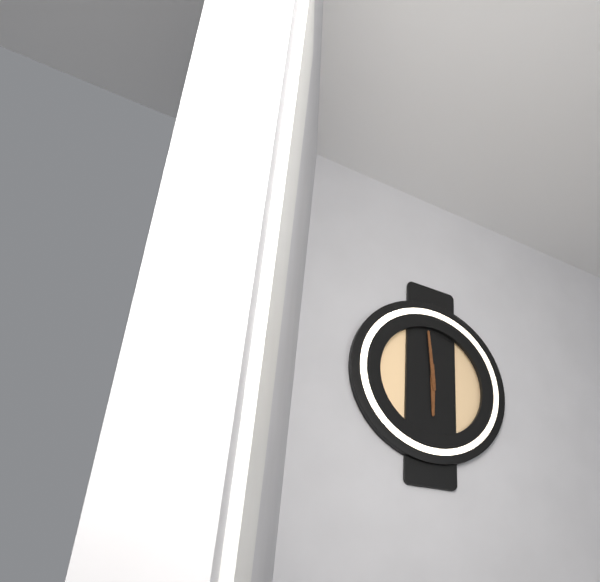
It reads 5 h 59 min
